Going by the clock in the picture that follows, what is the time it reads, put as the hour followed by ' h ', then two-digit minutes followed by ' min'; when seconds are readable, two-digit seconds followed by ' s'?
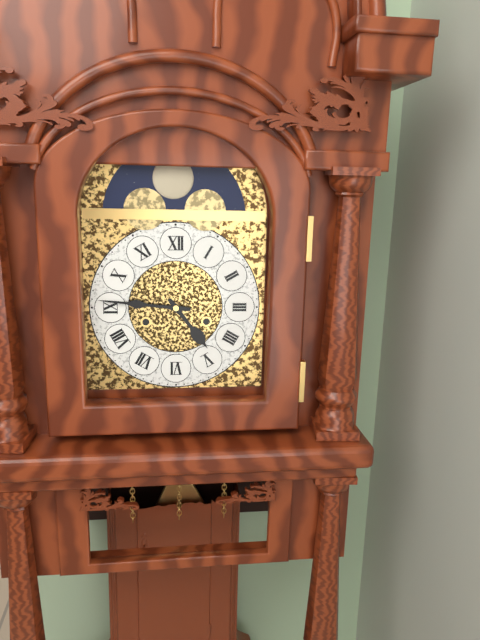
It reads 4 h 46 min
